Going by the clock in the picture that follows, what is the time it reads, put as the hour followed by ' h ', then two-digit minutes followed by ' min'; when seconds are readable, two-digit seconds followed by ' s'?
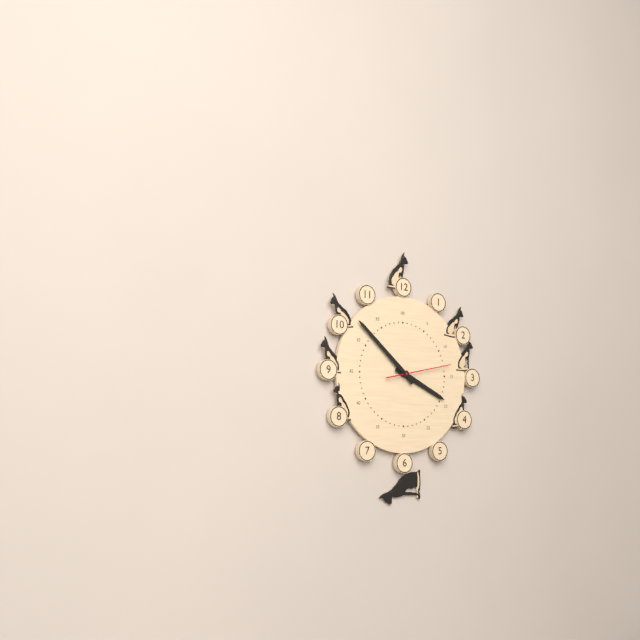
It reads 3 h 52 min 13 s
